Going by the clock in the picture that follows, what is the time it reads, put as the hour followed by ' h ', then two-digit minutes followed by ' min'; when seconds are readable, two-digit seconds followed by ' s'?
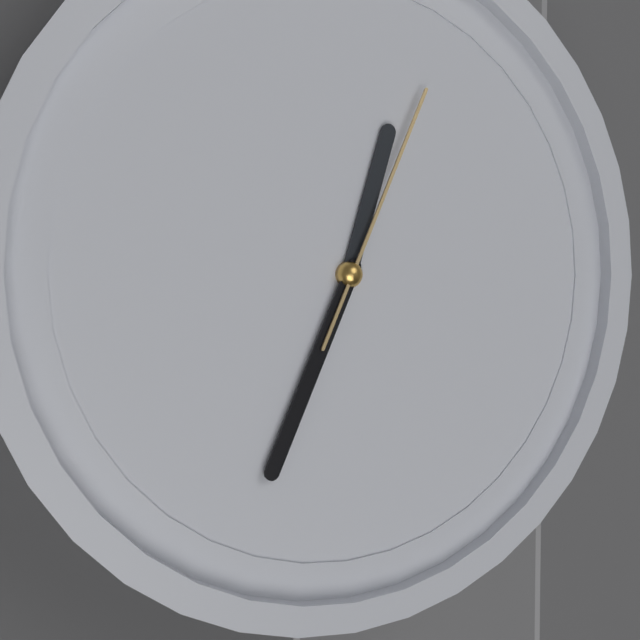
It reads 12 h 34 min 04 s
